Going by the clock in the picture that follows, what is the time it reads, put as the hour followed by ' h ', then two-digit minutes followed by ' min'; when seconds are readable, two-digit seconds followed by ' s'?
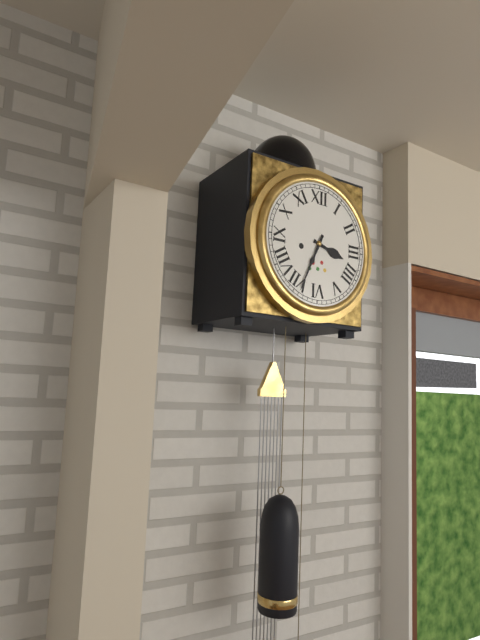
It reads 3 h 34 min
